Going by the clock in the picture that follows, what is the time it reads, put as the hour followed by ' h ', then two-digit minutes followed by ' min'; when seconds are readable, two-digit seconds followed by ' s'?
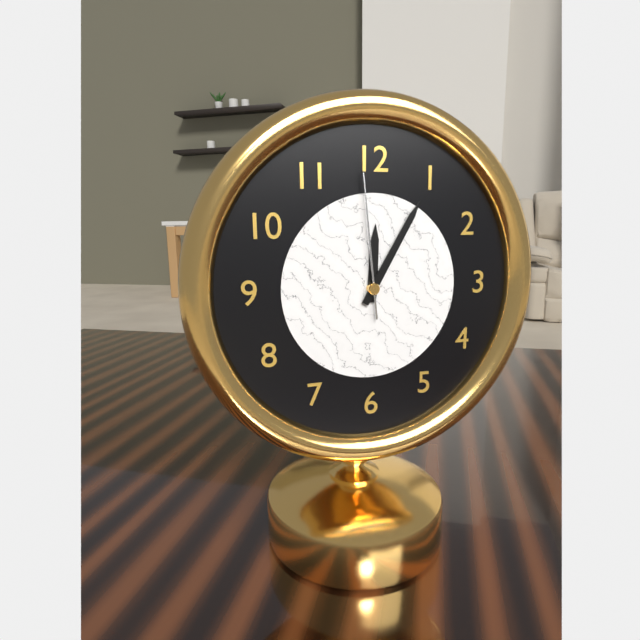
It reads 12 h 05 min 59 s
